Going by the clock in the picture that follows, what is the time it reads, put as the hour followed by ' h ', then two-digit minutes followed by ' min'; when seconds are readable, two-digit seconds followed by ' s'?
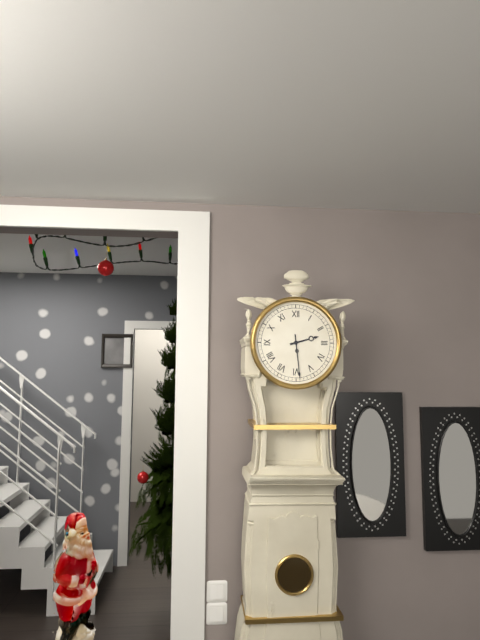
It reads 2 h 29 min
